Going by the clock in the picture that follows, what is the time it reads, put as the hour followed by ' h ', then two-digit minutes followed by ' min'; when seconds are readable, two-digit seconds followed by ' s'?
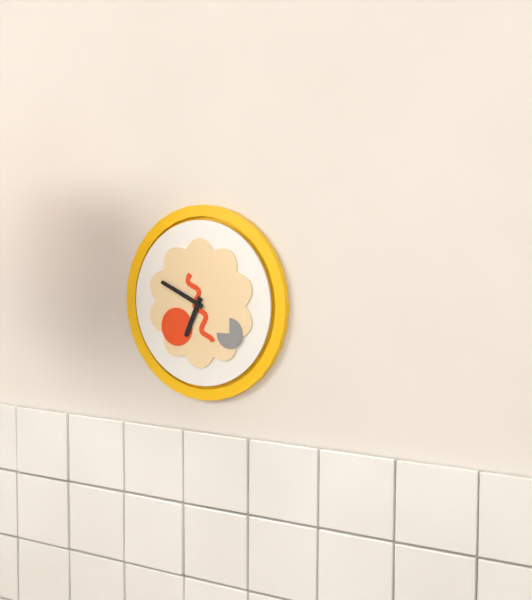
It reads 6 h 49 min
